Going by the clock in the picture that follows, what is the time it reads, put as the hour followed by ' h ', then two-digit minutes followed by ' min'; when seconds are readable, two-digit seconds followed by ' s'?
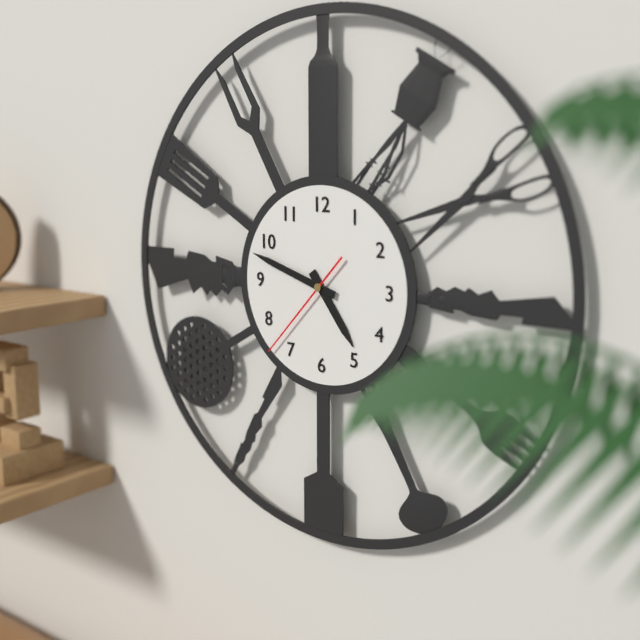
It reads 4 h 48 min 37 s
